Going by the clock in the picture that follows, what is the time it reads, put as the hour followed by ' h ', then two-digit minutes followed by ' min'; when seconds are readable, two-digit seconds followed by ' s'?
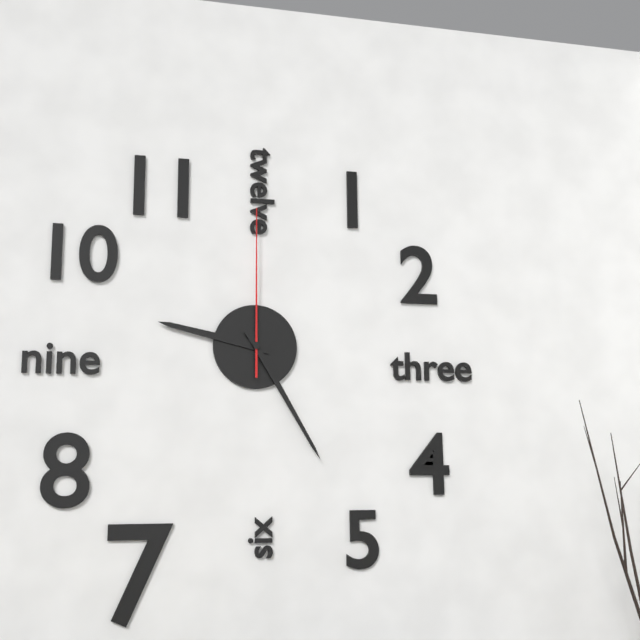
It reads 9 h 25 min 00 s
